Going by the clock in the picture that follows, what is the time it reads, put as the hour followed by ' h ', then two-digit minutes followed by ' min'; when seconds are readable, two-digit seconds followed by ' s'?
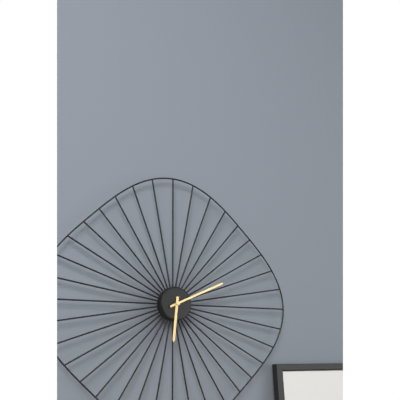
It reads 6 h 11 min
